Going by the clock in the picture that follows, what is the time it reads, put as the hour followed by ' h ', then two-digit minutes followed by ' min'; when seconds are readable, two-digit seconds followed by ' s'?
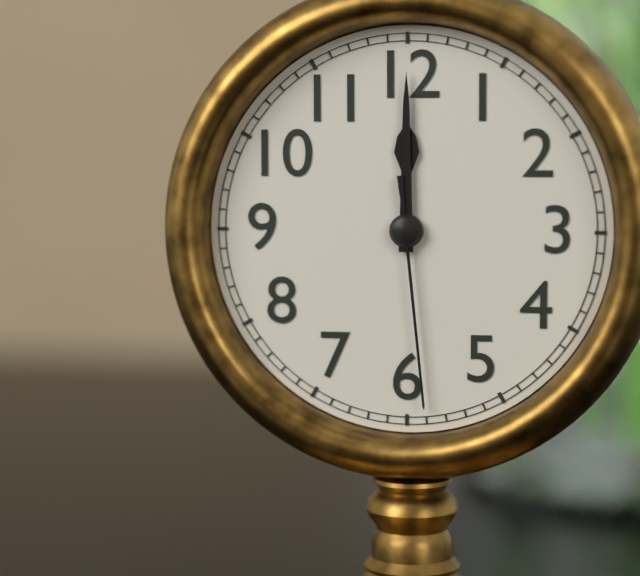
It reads 12 h 00 min 29 s
